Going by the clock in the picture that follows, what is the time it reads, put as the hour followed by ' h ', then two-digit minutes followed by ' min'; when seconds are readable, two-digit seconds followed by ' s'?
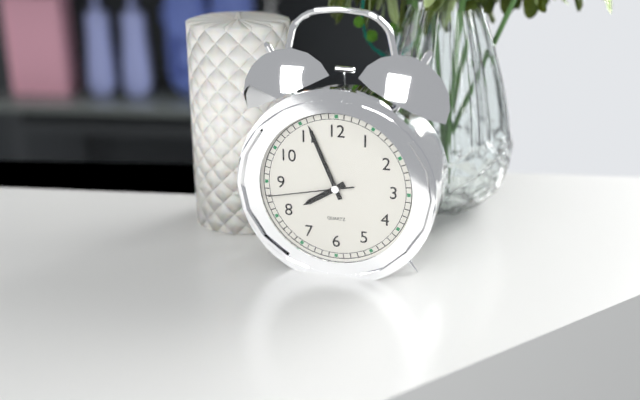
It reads 7 h 56 min 43 s
